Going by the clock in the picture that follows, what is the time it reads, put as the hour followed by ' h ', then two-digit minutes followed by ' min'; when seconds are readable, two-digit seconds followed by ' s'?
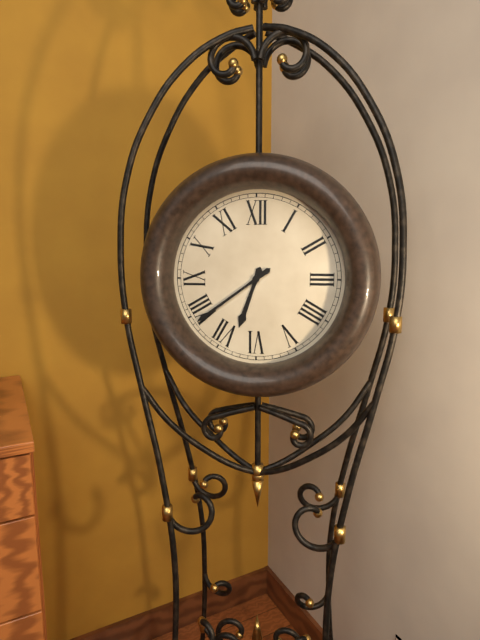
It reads 6 h 39 min
